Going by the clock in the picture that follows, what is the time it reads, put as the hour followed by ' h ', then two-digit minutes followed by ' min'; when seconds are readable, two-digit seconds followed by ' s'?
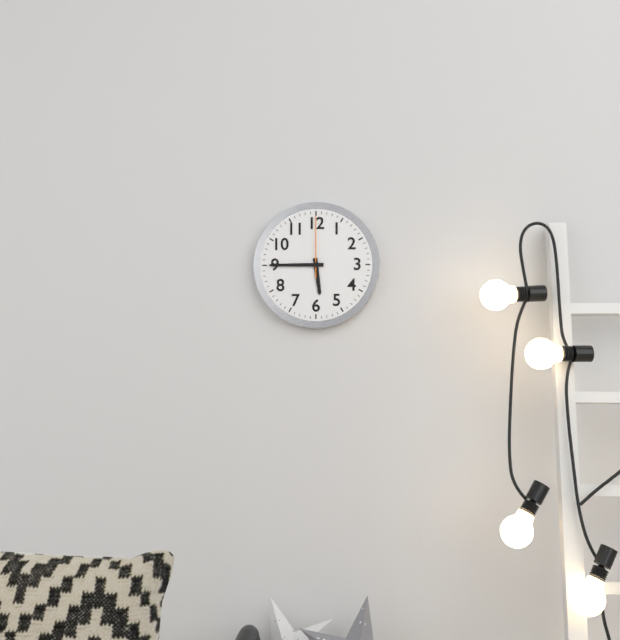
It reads 5 h 45 min 00 s
